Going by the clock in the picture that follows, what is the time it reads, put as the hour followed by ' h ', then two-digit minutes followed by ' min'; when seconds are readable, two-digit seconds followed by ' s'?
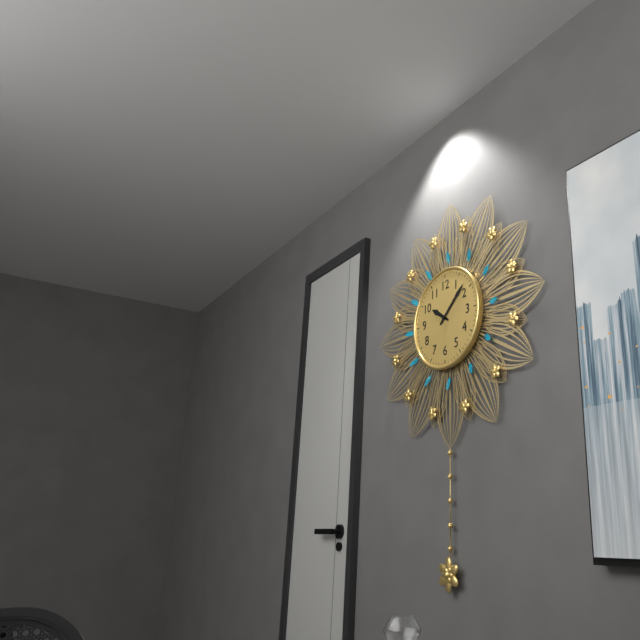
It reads 10 h 08 min
